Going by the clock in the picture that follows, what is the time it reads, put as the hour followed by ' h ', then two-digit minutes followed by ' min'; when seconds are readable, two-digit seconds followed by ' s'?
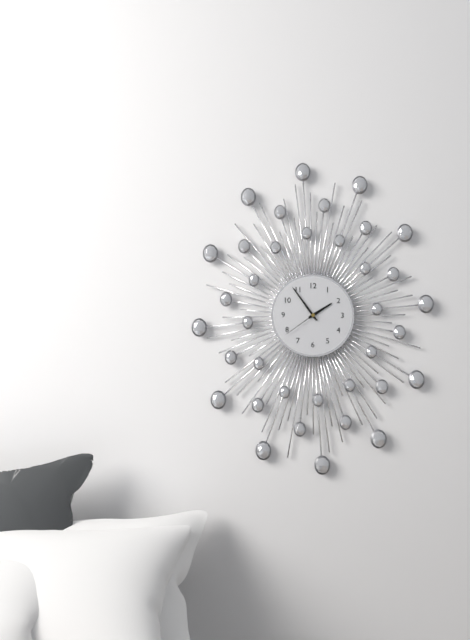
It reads 1 h 54 min
